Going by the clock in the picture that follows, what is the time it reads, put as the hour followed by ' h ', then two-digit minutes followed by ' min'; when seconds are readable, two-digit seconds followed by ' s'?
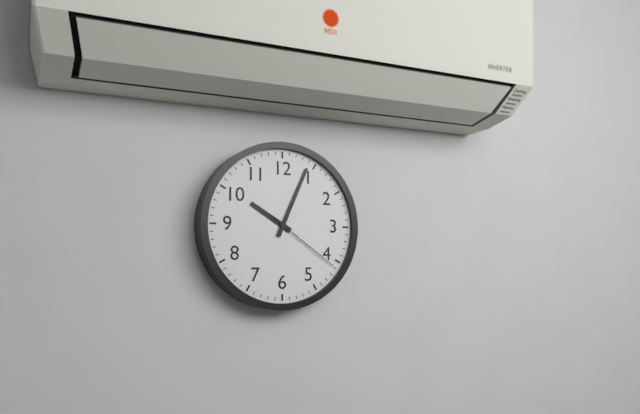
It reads 10 h 04 min 21 s
